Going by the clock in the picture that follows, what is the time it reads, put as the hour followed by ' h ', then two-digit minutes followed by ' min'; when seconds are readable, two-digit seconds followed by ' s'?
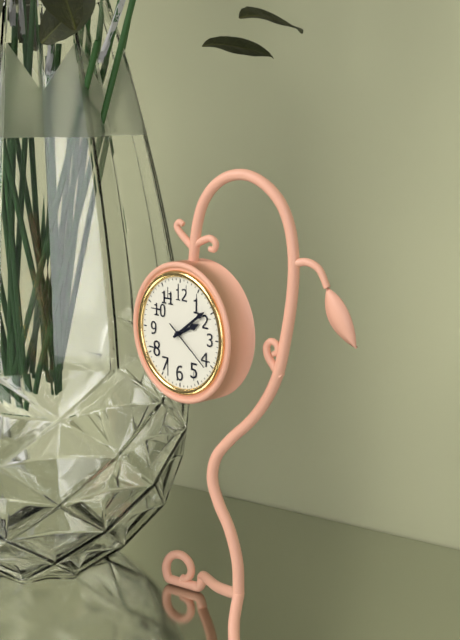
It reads 2 h 09 min 21 s
